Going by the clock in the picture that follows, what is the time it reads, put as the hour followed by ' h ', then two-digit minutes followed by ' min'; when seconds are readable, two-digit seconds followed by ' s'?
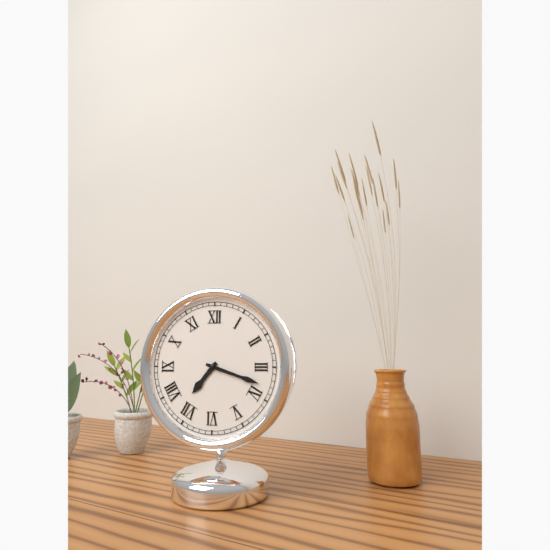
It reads 7 h 18 min
